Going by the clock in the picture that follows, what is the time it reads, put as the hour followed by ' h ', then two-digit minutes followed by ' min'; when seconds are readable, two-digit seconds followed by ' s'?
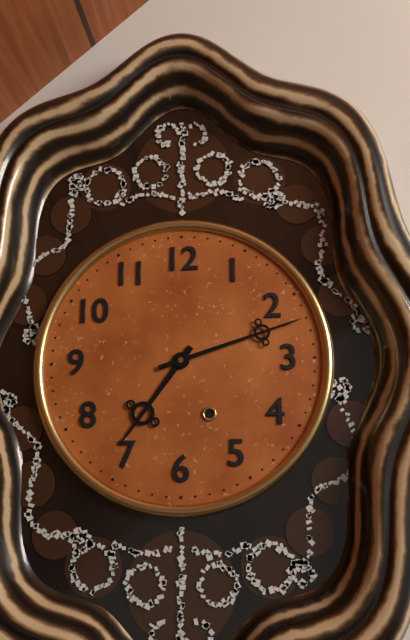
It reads 7 h 12 min
